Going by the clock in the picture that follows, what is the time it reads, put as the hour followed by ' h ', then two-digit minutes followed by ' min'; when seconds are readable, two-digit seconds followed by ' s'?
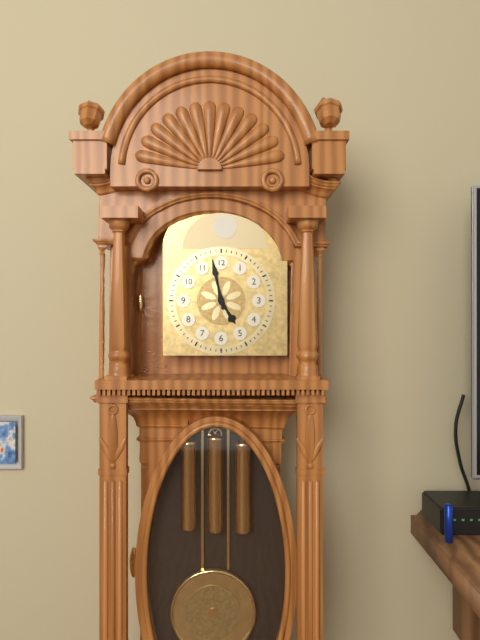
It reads 4 h 58 min
